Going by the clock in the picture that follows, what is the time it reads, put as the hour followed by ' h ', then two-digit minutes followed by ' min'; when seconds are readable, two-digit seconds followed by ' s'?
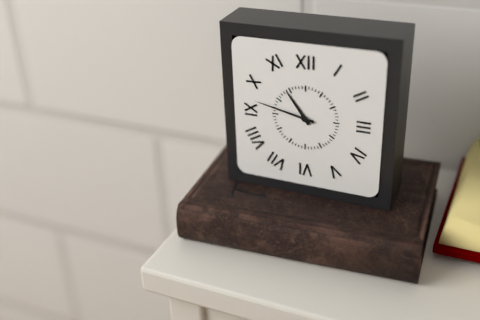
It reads 10 h 47 min
